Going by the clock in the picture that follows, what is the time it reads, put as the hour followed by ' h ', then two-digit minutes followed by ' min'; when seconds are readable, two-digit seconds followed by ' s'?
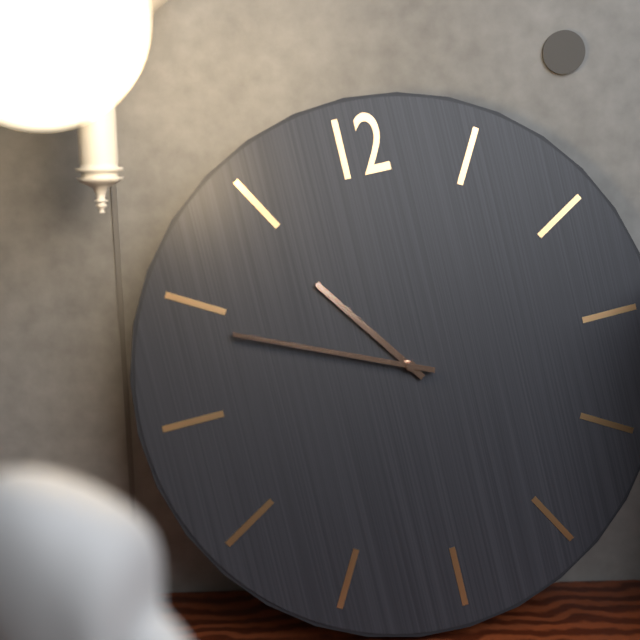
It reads 10 h 49 min
